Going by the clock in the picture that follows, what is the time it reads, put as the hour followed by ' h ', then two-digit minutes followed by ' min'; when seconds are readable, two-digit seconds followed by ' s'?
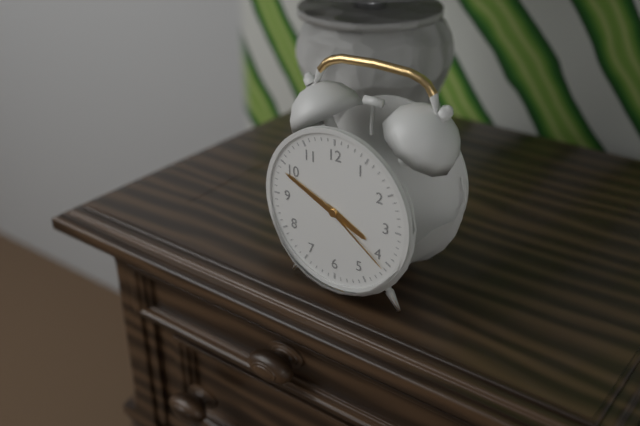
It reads 3 h 49 min 21 s
